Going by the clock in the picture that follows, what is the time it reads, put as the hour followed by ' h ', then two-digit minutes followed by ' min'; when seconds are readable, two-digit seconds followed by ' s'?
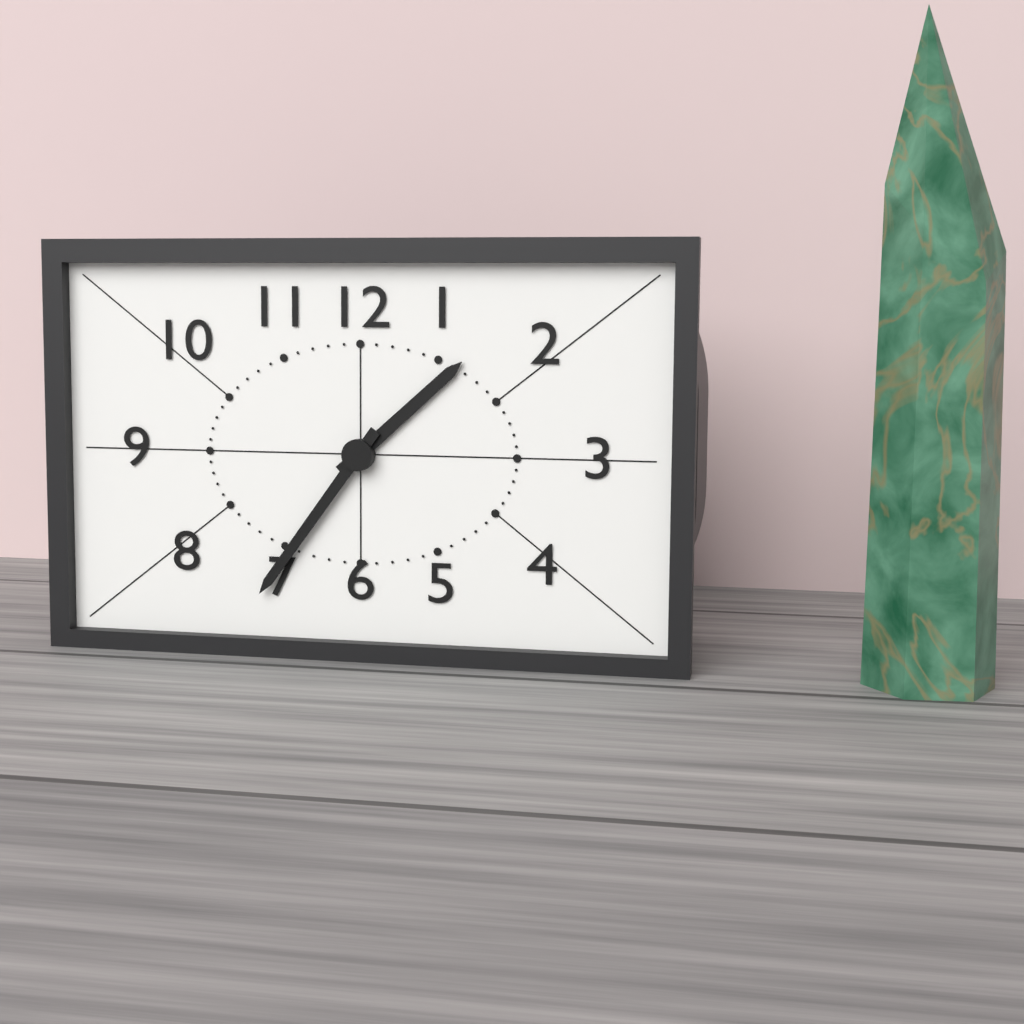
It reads 1 h 36 min
